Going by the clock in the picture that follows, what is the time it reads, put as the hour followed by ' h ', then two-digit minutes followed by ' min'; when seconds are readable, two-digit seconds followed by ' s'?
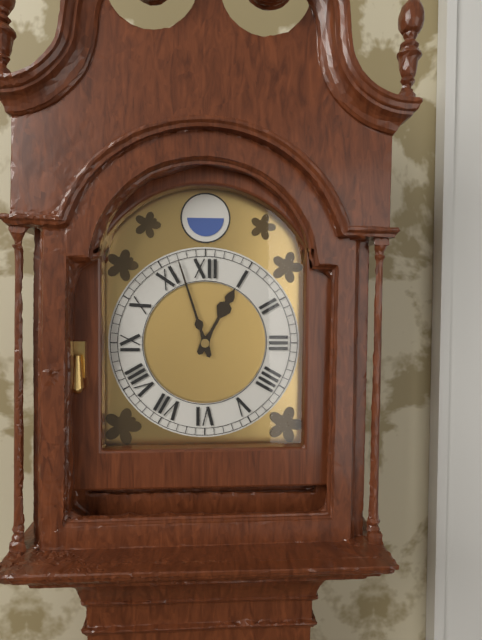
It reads 12 h 57 min
